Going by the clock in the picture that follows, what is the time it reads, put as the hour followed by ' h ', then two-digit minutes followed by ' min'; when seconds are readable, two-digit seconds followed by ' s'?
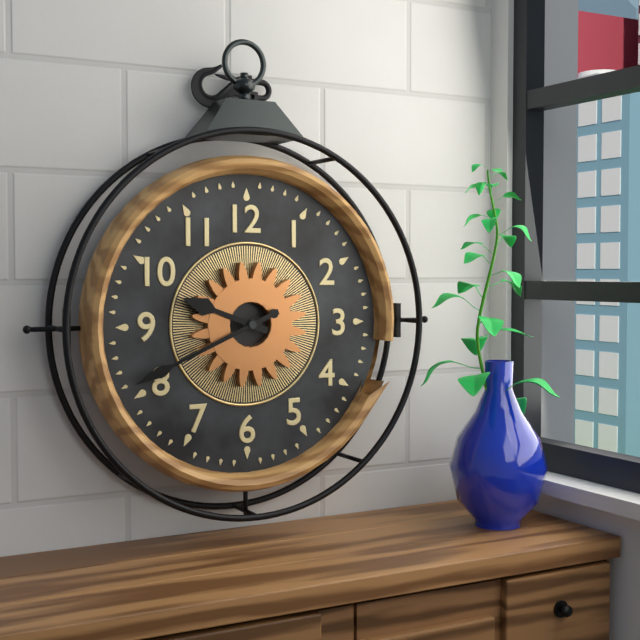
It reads 9 h 41 min
